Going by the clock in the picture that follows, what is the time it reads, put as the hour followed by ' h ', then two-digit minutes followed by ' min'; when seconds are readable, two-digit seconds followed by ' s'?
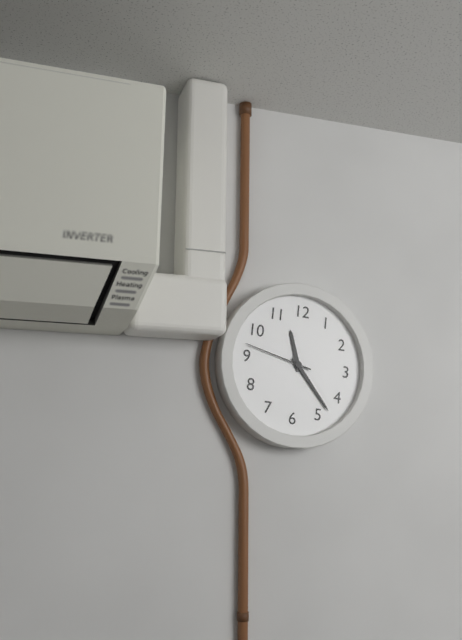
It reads 11 h 23 min 47 s
